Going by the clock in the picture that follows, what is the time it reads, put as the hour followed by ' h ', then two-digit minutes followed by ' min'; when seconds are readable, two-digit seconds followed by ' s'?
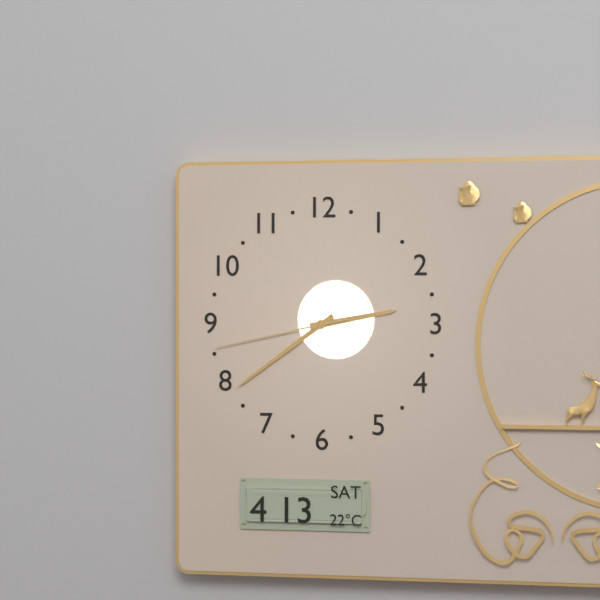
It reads 2 h 39 min 43 s
